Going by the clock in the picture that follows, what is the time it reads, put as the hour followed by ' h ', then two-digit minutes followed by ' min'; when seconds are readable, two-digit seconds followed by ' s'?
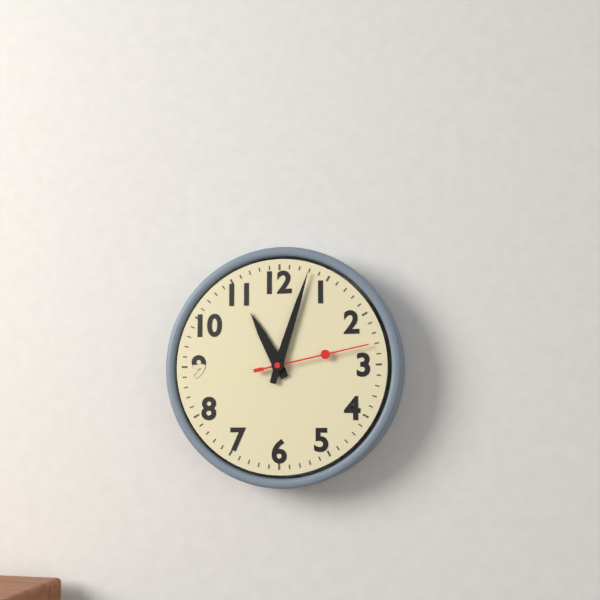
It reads 11 h 03 min 13 s
